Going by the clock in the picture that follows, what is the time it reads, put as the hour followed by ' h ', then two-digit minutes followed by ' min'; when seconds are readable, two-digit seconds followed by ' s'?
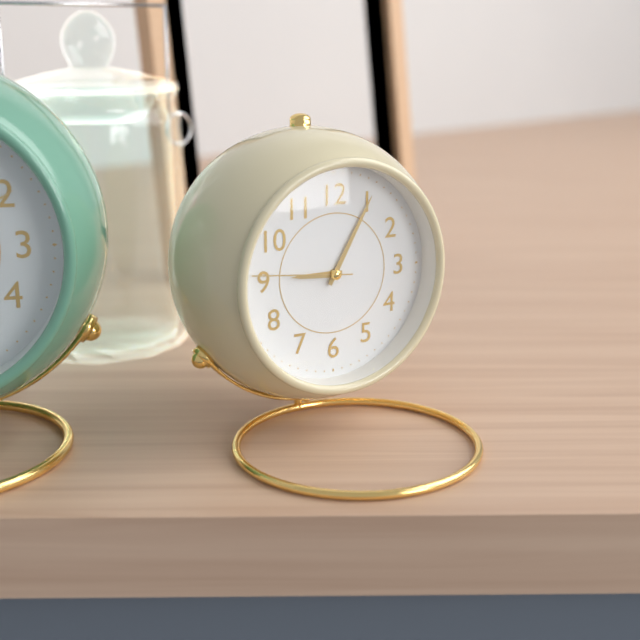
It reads 9 h 05 min 46 s
